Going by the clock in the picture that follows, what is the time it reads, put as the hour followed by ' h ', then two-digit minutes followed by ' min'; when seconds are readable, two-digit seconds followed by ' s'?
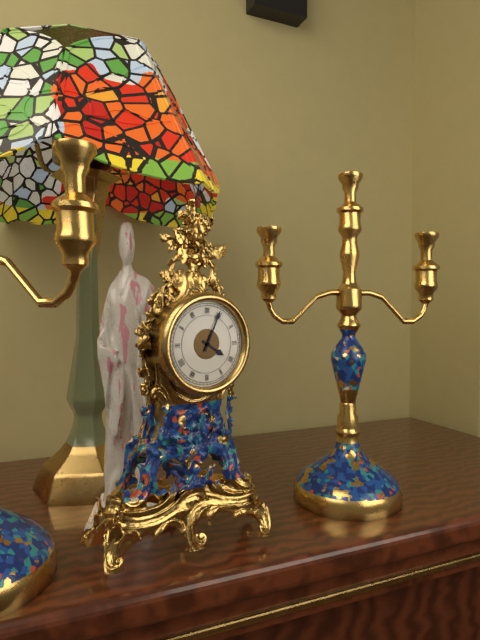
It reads 4 h 04 min
